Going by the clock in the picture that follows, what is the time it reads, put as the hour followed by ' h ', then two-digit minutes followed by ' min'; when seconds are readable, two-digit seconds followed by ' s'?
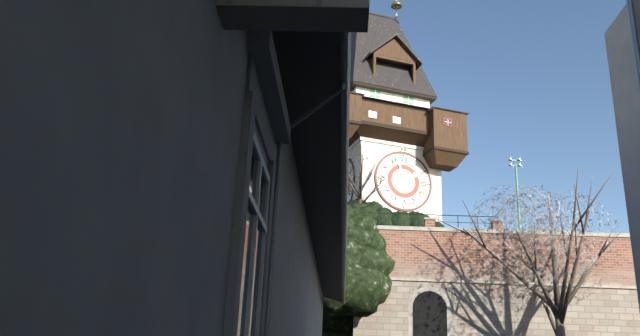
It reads 1 h 57 min
